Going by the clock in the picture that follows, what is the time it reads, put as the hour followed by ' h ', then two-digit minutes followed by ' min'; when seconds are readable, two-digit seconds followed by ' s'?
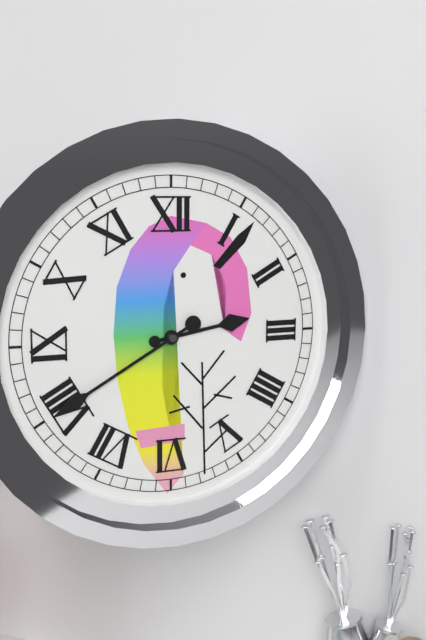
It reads 2 h 40 min
